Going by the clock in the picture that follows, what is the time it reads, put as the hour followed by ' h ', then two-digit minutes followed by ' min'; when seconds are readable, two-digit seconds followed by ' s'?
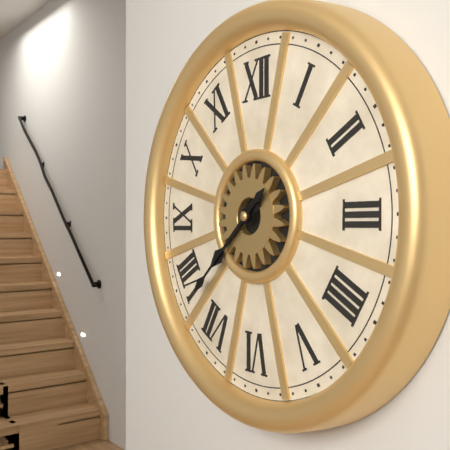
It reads 7 h 38 min
